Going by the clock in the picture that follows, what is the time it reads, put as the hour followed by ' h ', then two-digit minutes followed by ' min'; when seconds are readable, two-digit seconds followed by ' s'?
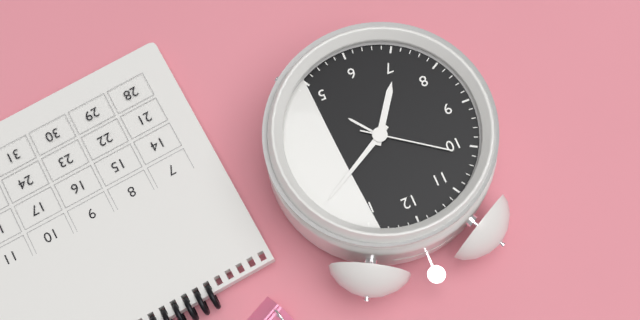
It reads 7 h 10 min 51 s
